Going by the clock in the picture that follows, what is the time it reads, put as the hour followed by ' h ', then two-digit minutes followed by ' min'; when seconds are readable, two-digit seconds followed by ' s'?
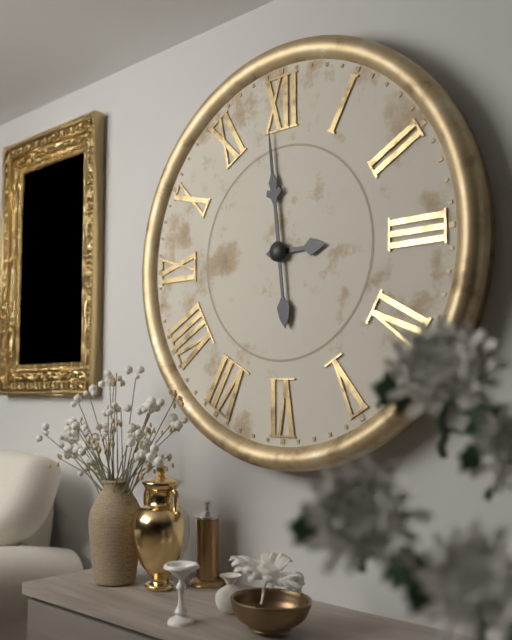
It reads 2 h 59 min
